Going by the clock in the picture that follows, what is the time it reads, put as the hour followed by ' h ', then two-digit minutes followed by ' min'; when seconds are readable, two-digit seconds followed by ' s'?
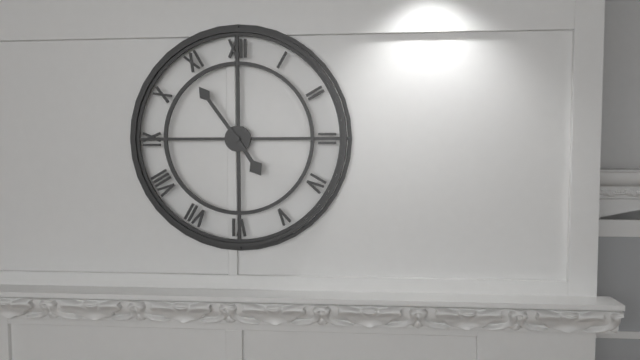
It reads 4 h 54 min
